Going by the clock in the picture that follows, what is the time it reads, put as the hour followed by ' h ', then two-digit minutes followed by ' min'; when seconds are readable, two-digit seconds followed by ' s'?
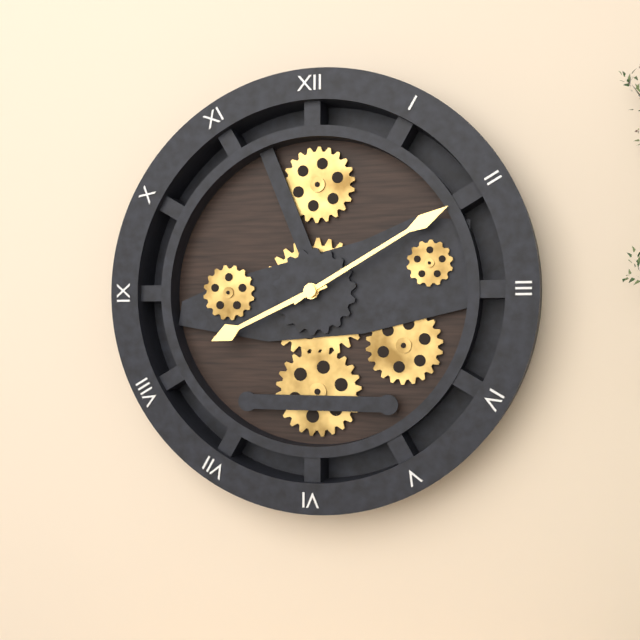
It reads 8 h 10 min
